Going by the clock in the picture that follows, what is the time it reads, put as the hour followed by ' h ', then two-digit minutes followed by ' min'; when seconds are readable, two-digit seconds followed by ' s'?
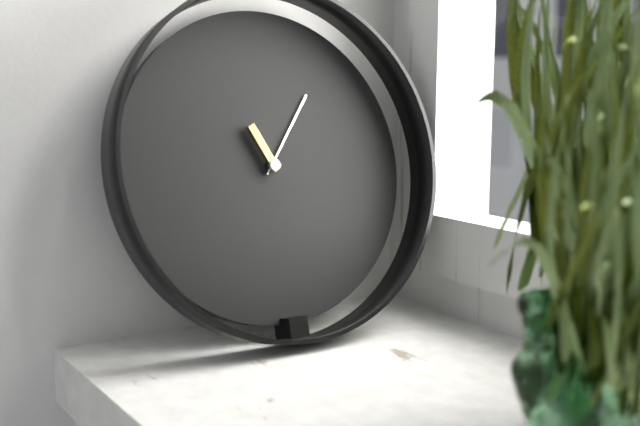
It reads 11 h 06 min
